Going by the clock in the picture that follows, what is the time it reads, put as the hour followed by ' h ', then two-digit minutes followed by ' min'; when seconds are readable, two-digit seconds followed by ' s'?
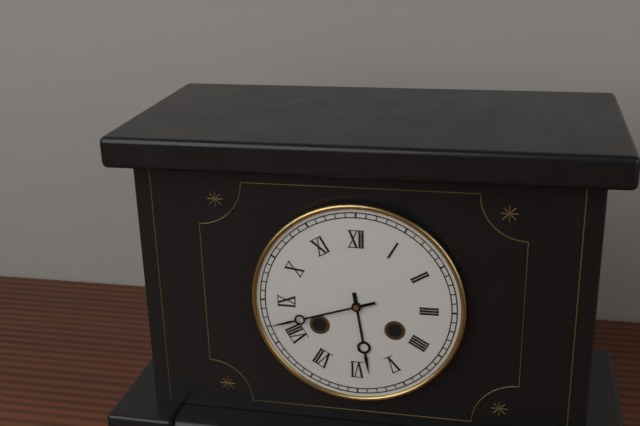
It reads 5 h 42 min
